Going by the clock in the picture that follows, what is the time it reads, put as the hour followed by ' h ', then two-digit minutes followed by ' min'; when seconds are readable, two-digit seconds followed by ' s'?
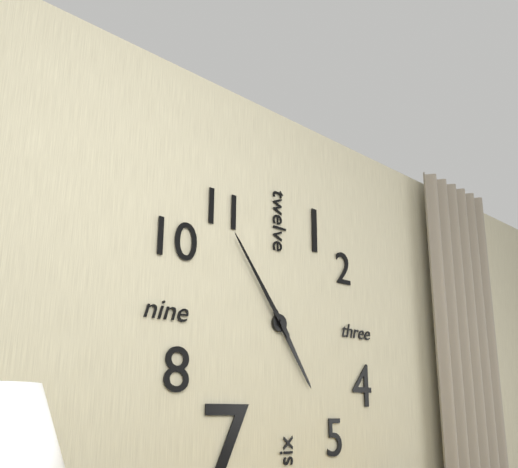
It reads 4 h 54 min
